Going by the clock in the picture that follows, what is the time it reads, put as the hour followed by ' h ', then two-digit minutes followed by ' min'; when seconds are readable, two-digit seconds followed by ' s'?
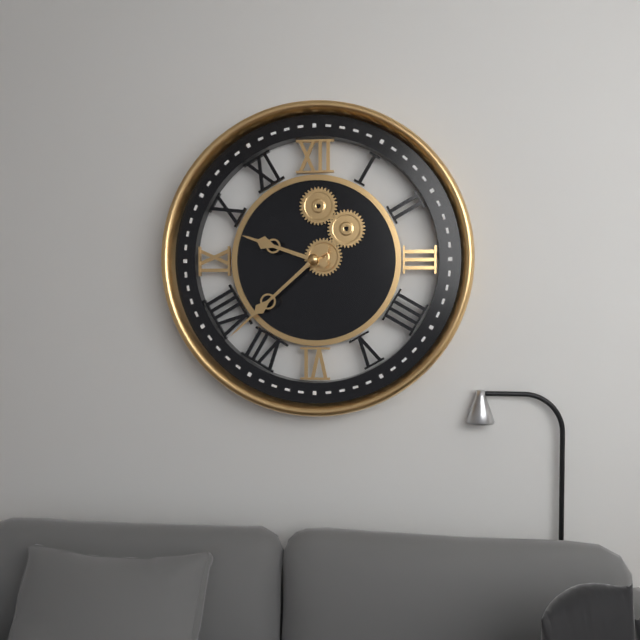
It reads 9 h 38 min
